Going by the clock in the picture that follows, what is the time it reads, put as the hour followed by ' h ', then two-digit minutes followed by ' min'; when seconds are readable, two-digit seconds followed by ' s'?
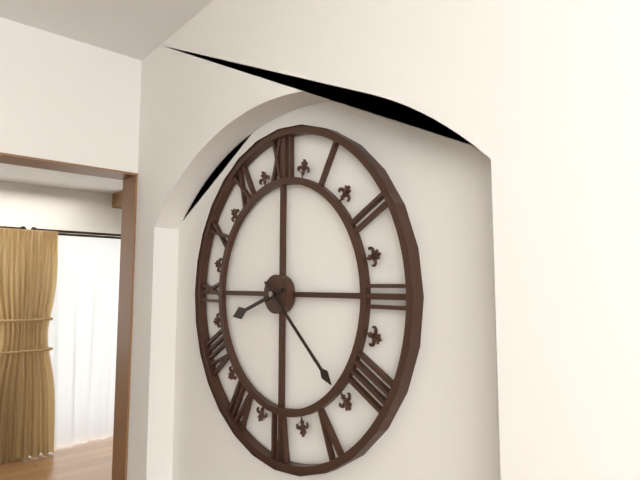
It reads 8 h 22 min
